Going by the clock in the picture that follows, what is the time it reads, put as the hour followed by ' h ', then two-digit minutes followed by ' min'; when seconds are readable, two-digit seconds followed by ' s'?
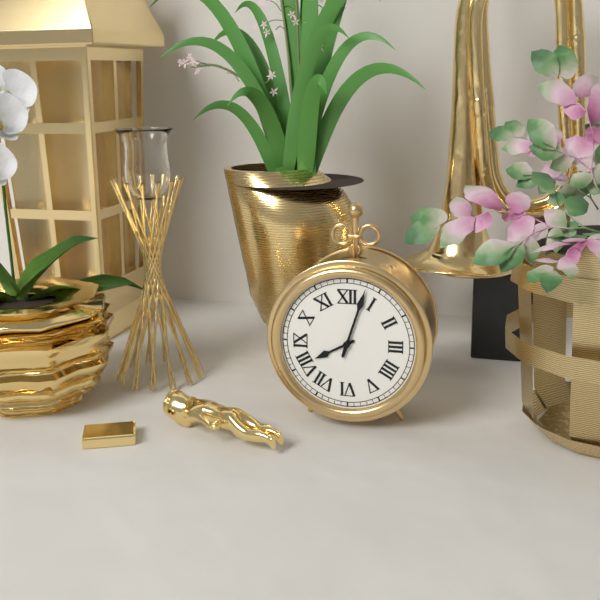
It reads 8 h 03 min
